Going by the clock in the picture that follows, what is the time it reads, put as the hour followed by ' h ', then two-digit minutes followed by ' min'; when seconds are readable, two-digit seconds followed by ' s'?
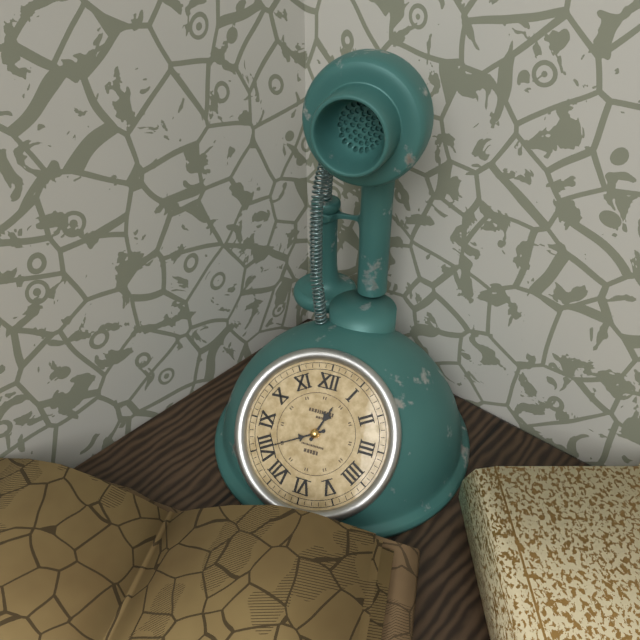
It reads 12 h 40 min
